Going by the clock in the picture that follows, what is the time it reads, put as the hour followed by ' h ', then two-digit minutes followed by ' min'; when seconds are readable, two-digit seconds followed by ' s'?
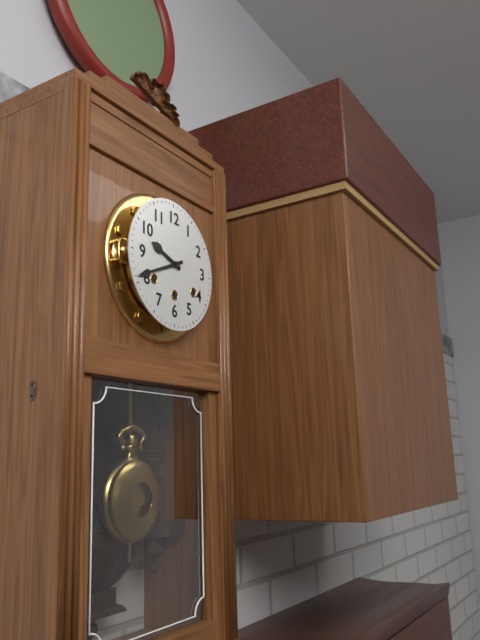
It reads 9 h 41 min
